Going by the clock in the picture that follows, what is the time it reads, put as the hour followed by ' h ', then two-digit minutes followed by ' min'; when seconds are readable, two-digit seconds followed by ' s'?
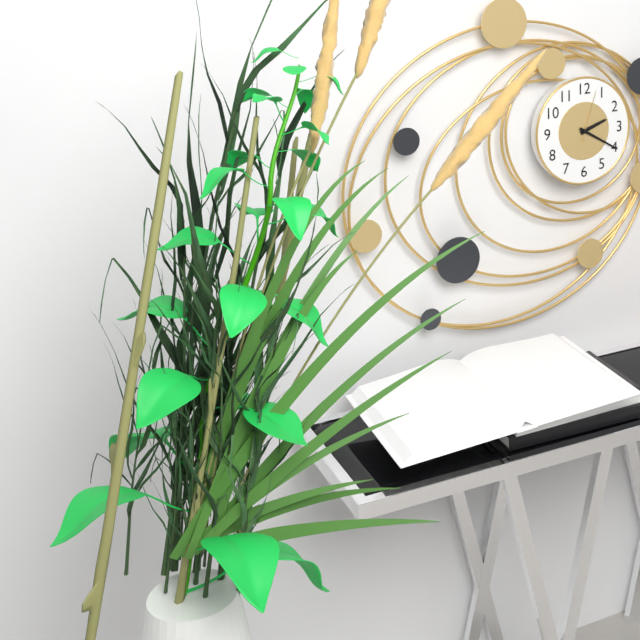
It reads 2 h 20 min 03 s
